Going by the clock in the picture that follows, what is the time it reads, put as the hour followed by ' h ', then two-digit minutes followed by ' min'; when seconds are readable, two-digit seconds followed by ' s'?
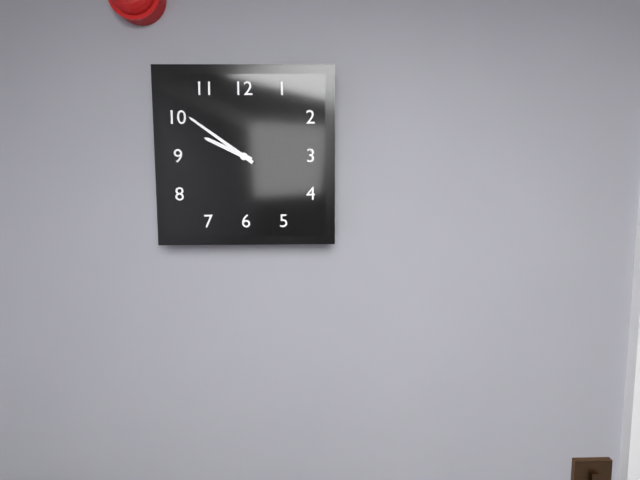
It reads 9 h 51 min
